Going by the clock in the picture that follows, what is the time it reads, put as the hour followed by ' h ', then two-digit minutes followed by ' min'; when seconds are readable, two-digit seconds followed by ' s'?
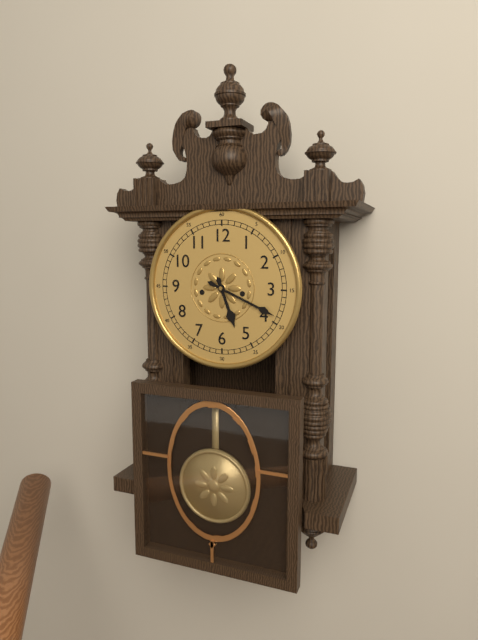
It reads 5 h 19 min
